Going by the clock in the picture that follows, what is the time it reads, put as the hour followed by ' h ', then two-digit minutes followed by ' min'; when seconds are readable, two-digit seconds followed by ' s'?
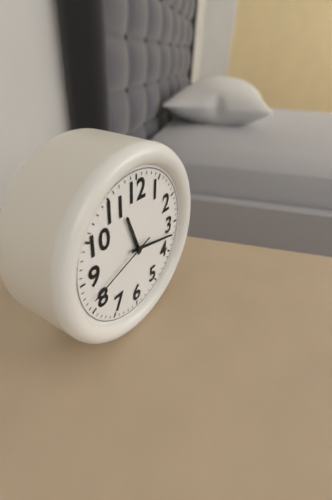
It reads 11 h 17 min 42 s
